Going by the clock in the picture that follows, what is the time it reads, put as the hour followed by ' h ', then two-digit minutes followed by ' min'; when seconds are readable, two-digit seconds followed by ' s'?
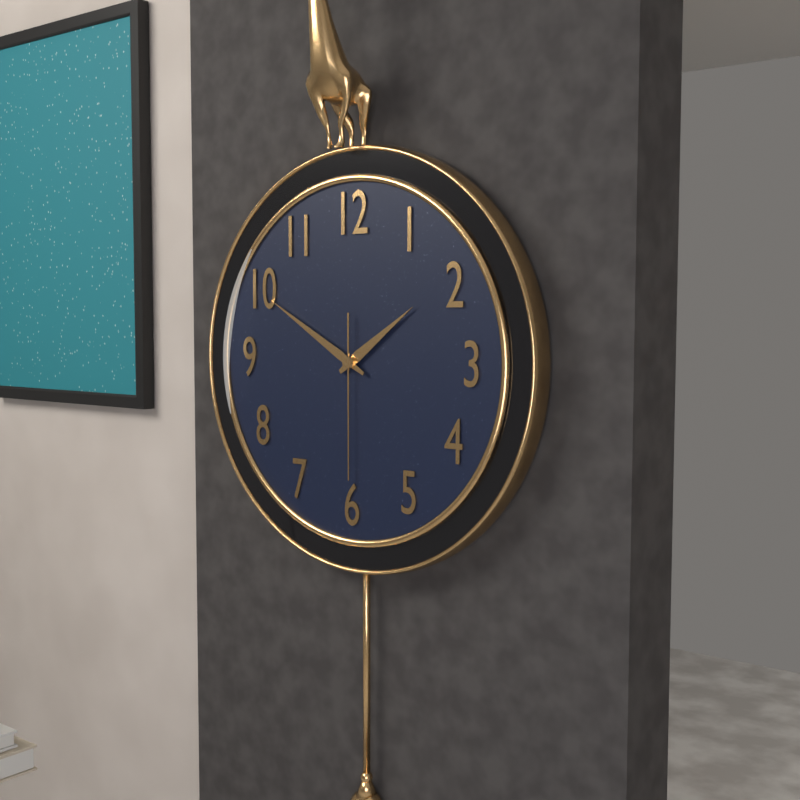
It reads 1 h 50 min 30 s
